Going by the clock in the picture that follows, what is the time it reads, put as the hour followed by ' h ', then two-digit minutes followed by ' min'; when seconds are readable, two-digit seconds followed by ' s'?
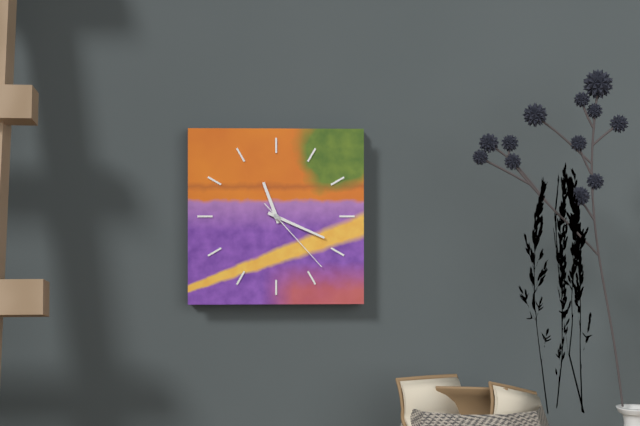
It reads 11 h 19 min 23 s
